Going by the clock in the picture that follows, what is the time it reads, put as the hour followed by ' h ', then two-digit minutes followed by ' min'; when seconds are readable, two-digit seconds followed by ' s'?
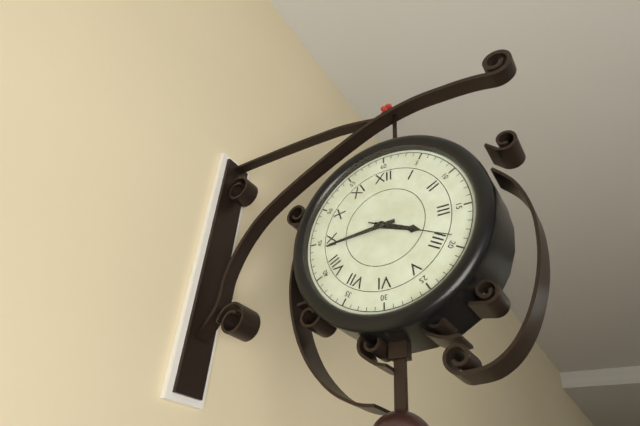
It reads 3 h 44 min 19 s
